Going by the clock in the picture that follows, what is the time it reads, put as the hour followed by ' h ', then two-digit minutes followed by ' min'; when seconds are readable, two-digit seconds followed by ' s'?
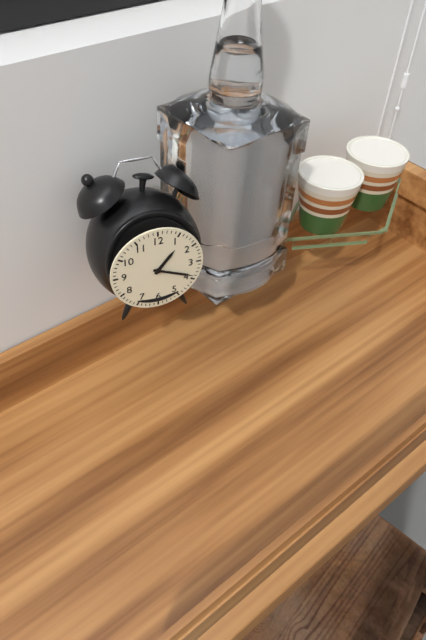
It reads 1 h 19 min
